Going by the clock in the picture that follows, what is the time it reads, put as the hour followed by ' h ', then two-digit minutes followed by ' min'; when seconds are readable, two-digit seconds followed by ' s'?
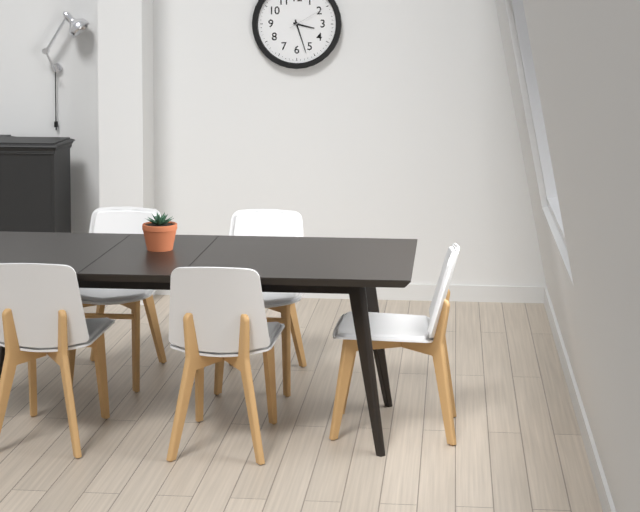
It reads 3 h 27 min
